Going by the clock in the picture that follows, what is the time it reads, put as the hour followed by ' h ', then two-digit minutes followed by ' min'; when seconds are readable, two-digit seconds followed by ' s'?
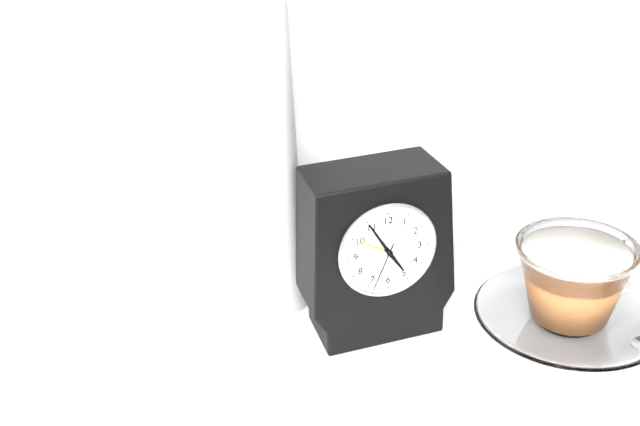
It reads 4 h 55 min 34 s
